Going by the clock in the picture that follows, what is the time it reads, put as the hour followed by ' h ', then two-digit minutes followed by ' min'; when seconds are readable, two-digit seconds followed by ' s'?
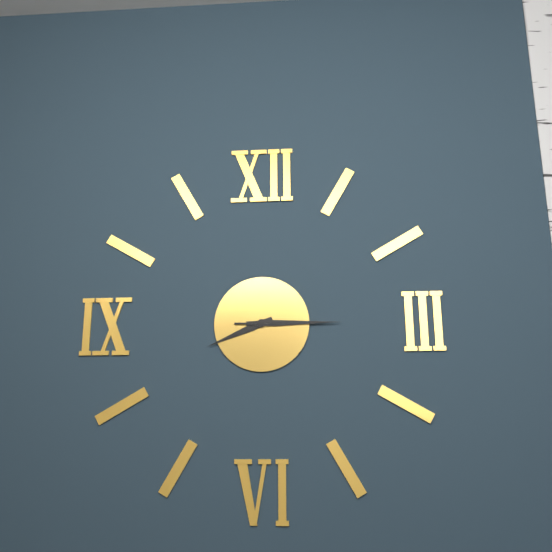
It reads 8 h 15 min 15 s
